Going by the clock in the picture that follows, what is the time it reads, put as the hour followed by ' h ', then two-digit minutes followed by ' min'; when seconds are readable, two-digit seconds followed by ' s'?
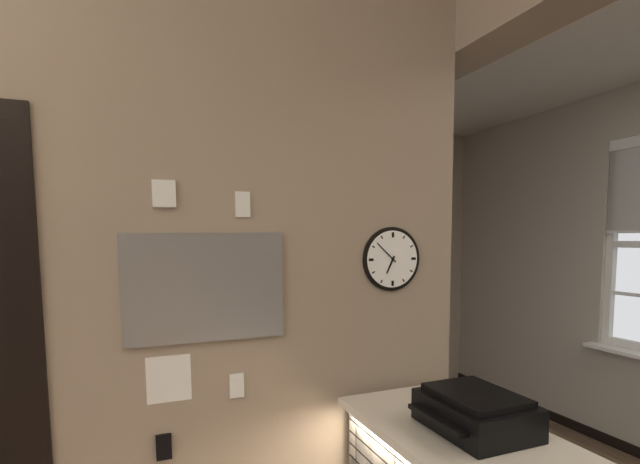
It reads 6 h 52 min
